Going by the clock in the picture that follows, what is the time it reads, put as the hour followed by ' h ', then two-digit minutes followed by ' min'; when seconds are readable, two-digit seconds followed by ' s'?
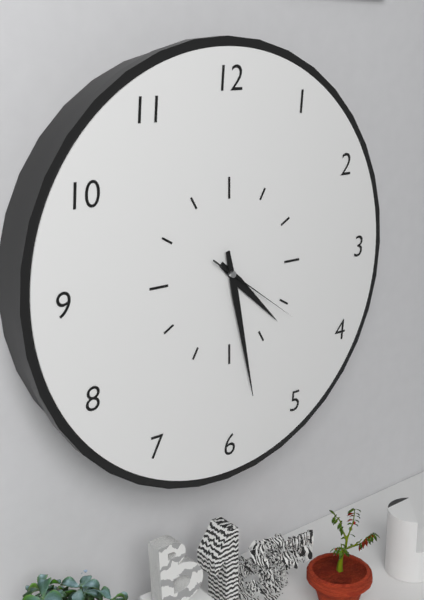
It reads 4 h 28 min 21 s
